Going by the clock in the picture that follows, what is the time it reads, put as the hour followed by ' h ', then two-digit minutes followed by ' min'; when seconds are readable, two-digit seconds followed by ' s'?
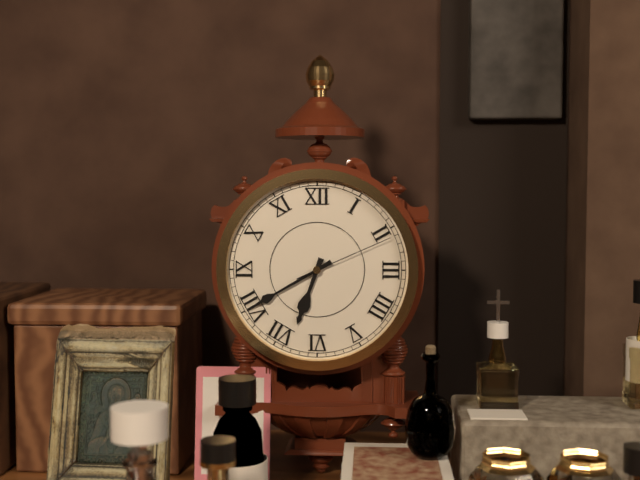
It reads 6 h 40 min 11 s
